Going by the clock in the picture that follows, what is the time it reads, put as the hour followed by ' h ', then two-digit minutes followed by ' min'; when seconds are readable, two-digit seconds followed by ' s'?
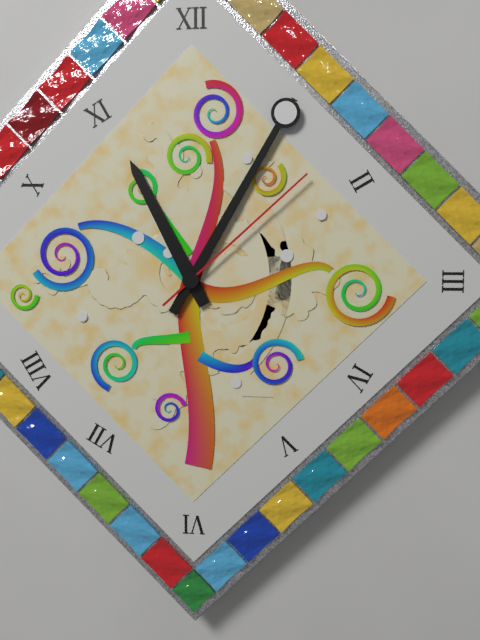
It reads 11 h 05 min 08 s
